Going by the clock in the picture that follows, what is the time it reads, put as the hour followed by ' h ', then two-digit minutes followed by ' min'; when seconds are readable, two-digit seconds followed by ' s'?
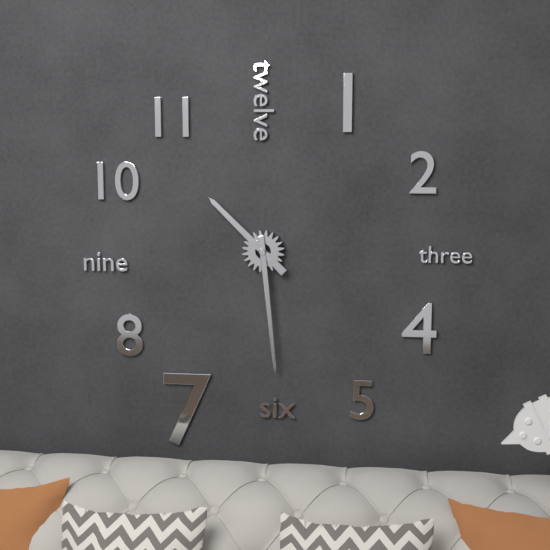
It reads 10 h 29 min
